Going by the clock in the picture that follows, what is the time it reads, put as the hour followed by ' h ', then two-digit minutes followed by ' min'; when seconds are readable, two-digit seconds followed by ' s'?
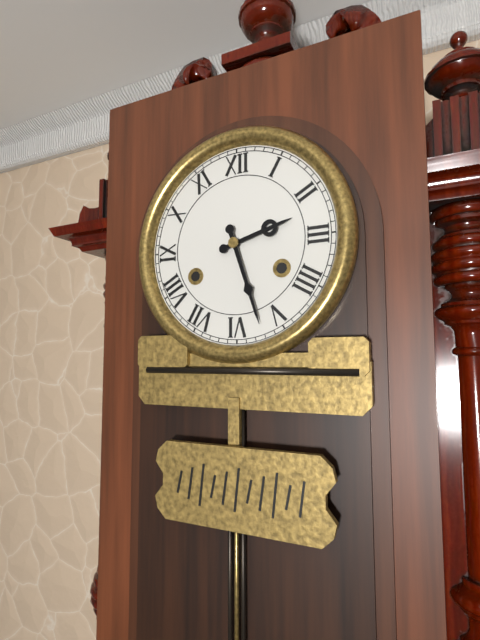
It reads 2 h 27 min
